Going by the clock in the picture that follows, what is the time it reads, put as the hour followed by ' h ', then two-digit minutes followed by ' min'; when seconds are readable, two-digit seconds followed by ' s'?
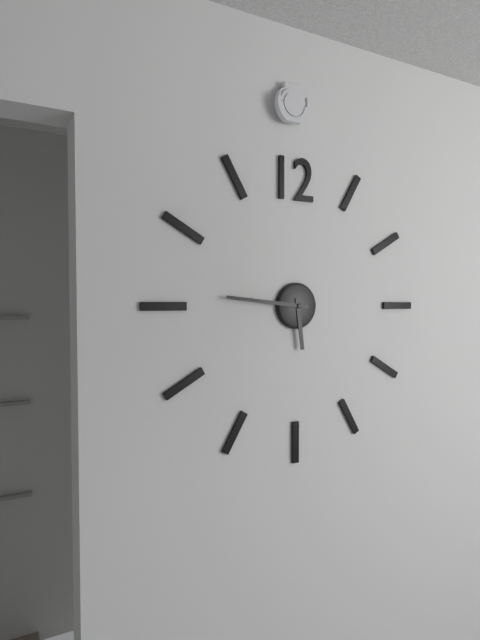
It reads 5 h 46 min
